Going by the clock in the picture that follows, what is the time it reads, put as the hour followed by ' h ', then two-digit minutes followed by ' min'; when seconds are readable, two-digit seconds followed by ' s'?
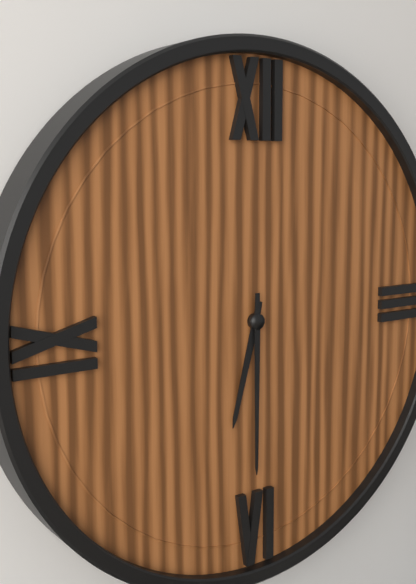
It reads 6 h 30 min
